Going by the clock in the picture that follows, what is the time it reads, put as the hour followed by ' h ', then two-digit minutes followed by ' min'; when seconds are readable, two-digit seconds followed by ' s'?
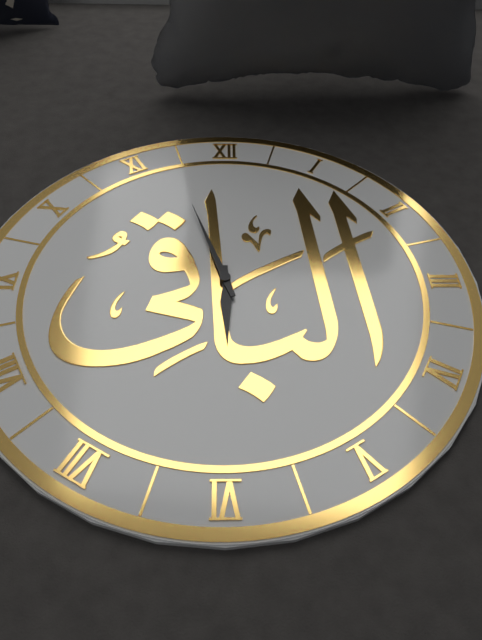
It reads 5 h 57 min
